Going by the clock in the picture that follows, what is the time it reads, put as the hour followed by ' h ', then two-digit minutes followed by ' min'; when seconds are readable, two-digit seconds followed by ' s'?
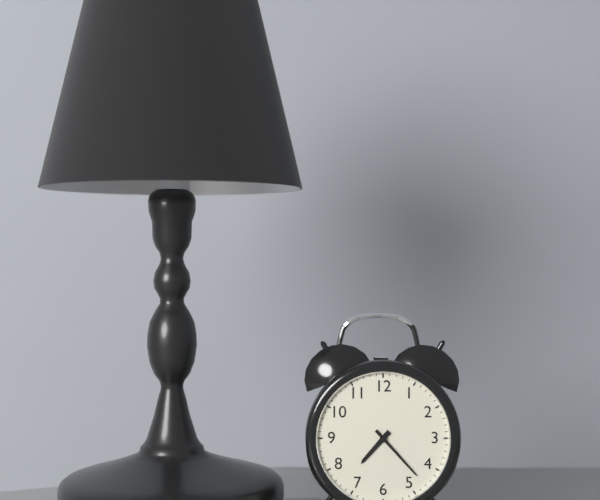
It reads 7 h 23 min
